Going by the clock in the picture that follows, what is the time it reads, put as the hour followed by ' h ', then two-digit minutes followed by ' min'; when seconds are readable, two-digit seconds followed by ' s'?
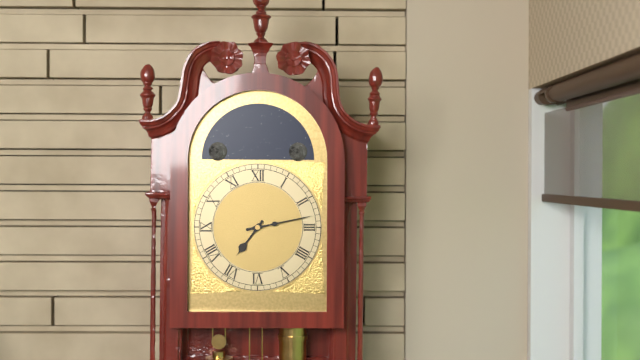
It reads 7 h 13 min
